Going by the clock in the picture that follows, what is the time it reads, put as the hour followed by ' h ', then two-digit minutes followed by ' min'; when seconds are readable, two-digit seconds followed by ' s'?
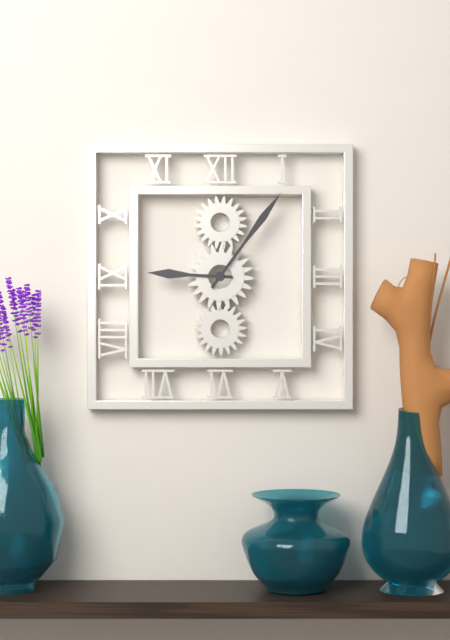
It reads 9 h 06 min
